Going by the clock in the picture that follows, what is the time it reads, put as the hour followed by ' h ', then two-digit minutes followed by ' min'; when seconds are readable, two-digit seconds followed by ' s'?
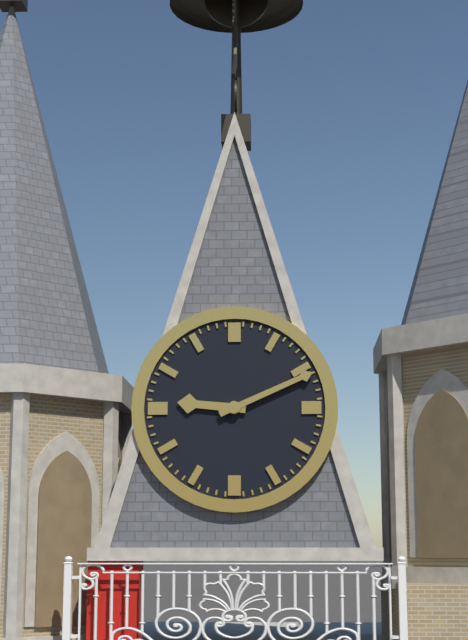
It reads 9 h 11 min
